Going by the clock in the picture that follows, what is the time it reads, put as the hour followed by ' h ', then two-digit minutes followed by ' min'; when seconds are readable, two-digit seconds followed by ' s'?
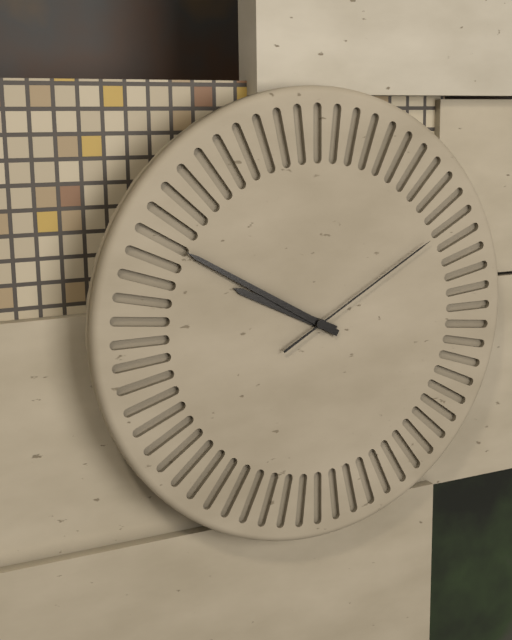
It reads 9 h 50 min 10 s
